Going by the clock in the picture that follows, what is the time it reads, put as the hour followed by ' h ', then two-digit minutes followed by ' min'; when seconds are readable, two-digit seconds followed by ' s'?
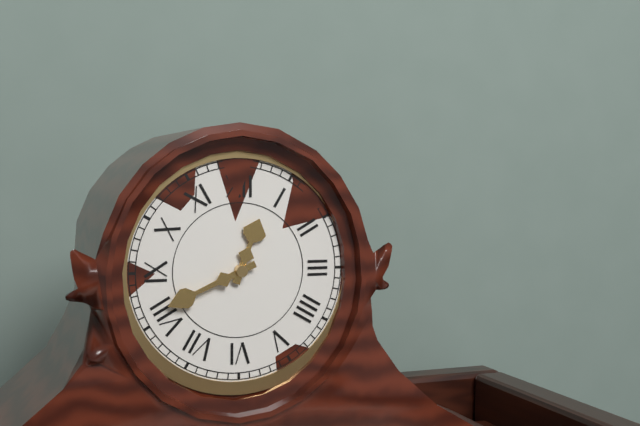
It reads 12 h 41 min
